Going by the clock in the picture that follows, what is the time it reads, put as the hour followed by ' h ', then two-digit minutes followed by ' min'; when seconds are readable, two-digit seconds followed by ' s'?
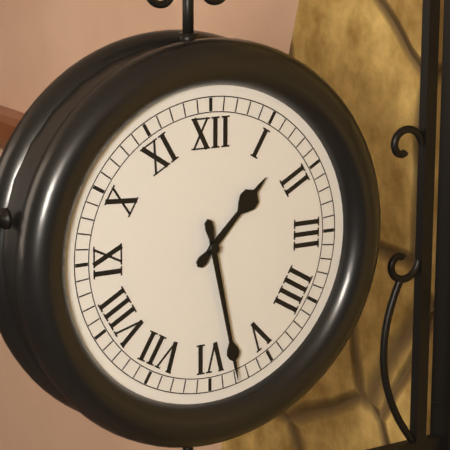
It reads 1 h 28 min
